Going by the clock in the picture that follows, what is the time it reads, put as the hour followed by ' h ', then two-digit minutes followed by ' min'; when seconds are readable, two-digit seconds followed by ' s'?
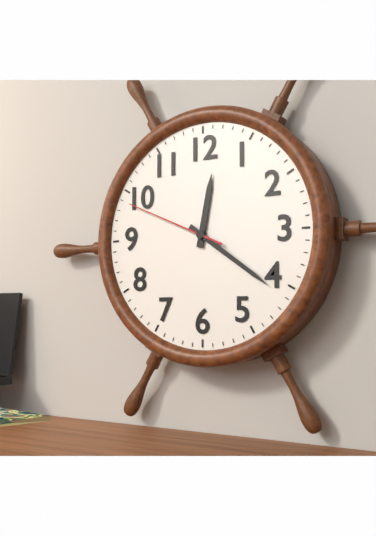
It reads 12 h 21 min 49 s
